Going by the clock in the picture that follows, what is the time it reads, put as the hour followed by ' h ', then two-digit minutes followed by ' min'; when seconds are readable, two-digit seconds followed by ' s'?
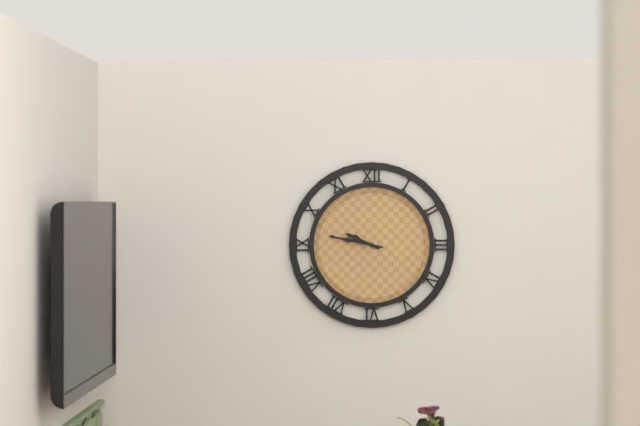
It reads 9 h 47 min
